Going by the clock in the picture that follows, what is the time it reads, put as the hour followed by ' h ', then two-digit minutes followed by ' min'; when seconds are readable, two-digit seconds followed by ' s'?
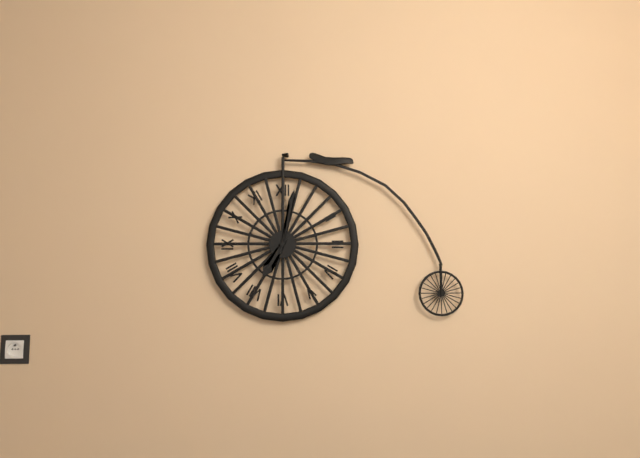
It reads 7 h 02 min
